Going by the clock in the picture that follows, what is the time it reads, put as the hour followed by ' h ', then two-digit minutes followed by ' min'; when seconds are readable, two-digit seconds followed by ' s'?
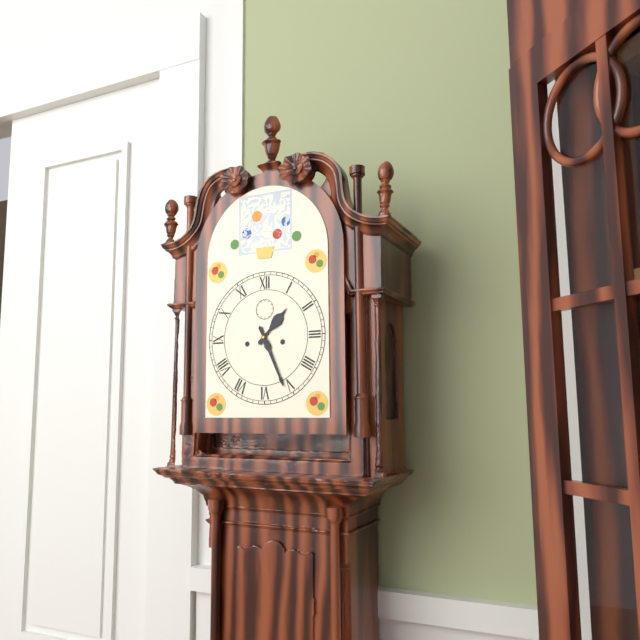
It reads 1 h 26 min
